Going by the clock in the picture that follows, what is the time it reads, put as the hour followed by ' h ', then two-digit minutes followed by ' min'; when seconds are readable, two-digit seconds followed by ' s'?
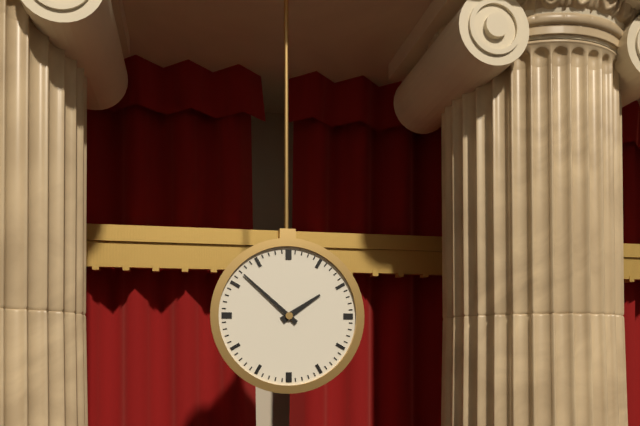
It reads 1 h 52 min
